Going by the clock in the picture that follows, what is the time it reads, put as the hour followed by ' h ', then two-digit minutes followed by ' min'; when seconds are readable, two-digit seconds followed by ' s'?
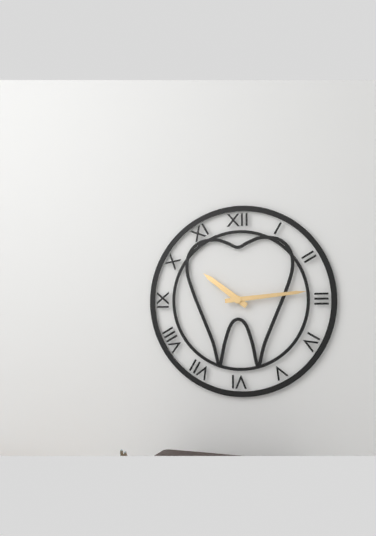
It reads 10 h 14 min
